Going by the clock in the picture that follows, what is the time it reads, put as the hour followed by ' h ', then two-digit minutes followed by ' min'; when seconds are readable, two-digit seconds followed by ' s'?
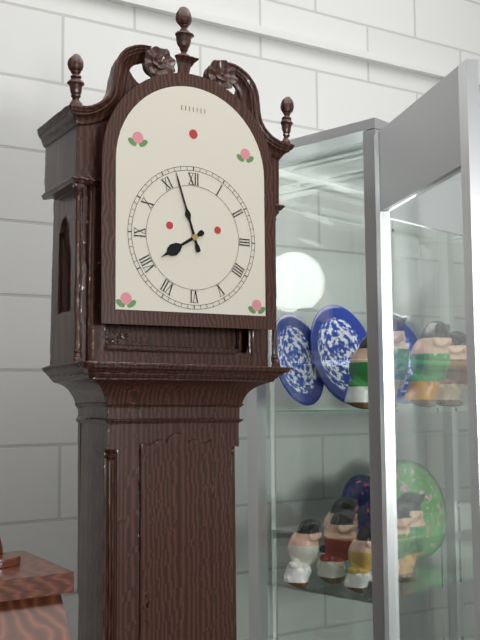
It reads 7 h 57 min
